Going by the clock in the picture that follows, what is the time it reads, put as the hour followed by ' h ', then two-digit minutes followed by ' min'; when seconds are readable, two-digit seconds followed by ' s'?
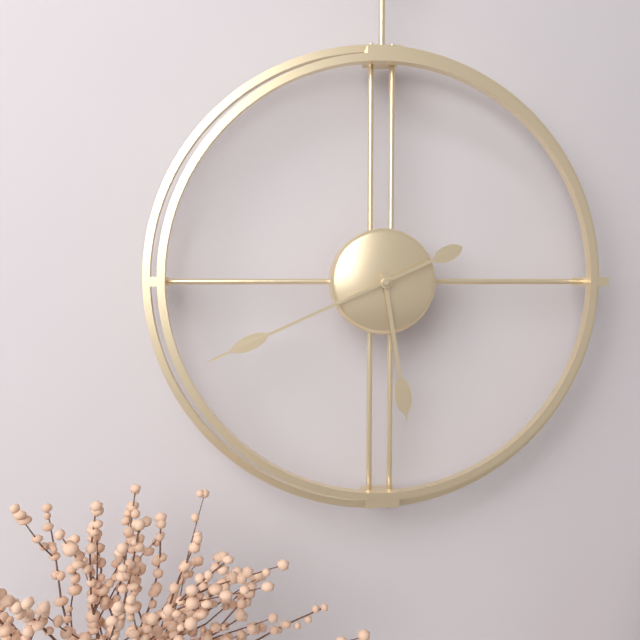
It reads 5 h 41 min
